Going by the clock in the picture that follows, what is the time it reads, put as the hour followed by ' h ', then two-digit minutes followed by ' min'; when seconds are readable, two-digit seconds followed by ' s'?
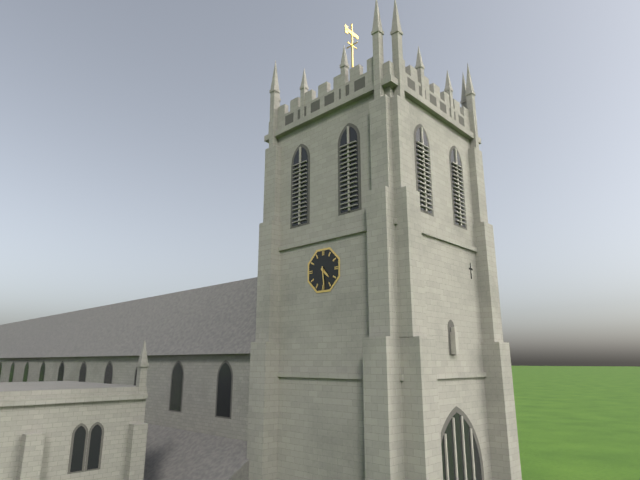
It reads 4 h 29 min
